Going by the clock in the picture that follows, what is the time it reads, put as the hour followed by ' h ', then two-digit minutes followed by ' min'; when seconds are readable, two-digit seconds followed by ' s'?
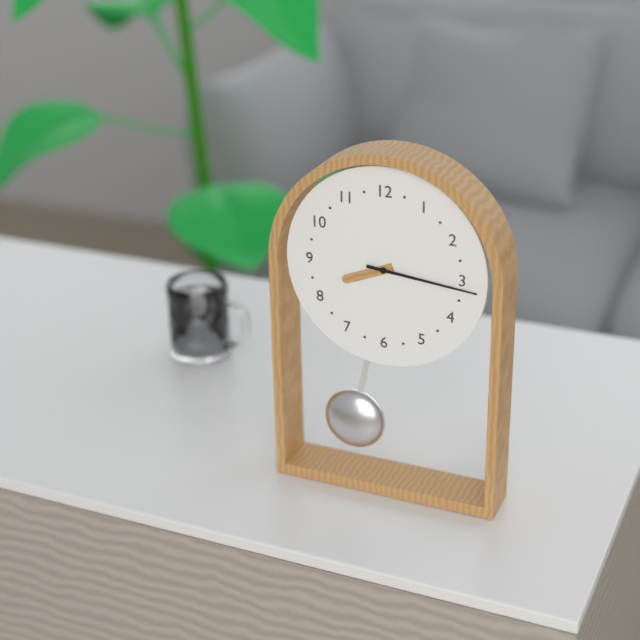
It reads 8 h 16 min
